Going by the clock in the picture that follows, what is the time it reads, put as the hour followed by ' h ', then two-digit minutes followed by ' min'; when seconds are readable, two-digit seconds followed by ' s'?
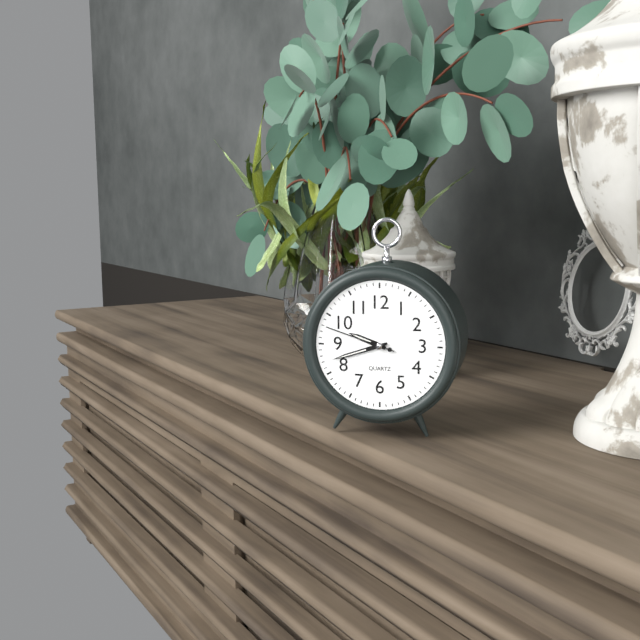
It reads 9 h 42 min 48 s
